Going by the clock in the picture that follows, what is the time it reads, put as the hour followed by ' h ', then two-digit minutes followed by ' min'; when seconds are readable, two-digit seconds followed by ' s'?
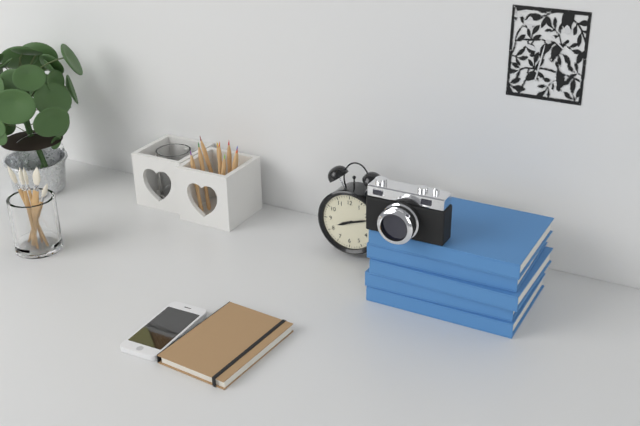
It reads 8 h 12 min
